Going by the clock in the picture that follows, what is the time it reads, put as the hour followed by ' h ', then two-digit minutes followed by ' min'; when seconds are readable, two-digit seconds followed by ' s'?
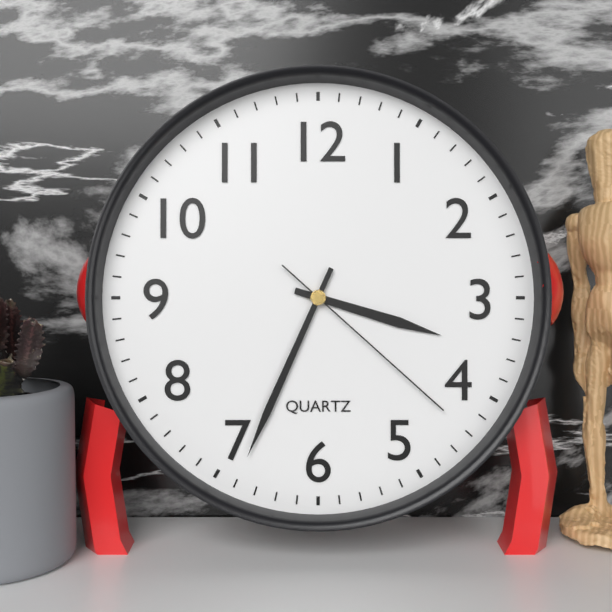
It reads 3 h 34 min 22 s
